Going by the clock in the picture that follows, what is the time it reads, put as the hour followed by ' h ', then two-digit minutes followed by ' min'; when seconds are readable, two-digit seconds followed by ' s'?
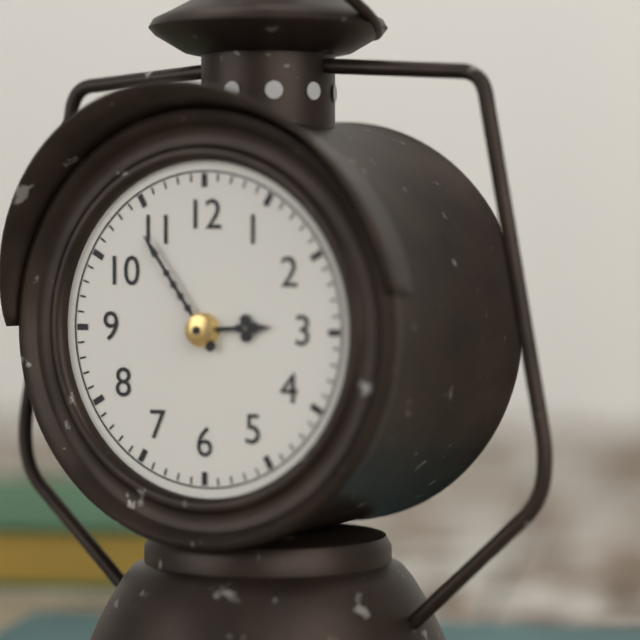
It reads 2 h 54 min
